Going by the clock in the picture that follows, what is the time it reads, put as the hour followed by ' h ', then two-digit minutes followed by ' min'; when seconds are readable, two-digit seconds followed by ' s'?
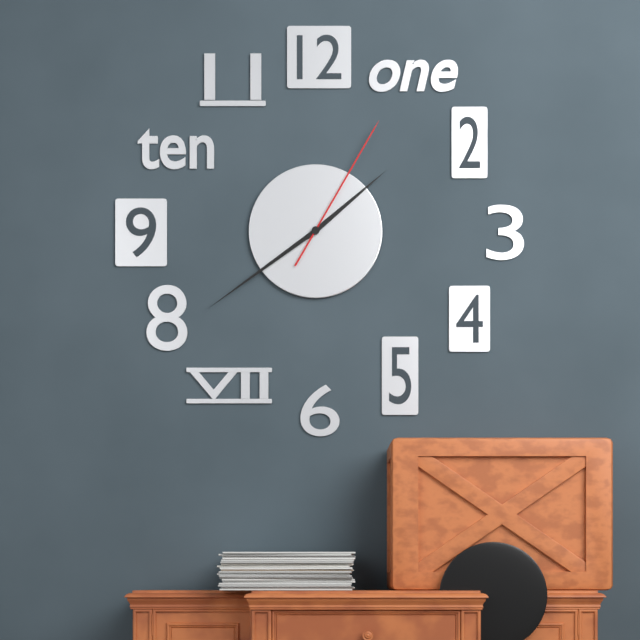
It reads 1 h 39 min 05 s
